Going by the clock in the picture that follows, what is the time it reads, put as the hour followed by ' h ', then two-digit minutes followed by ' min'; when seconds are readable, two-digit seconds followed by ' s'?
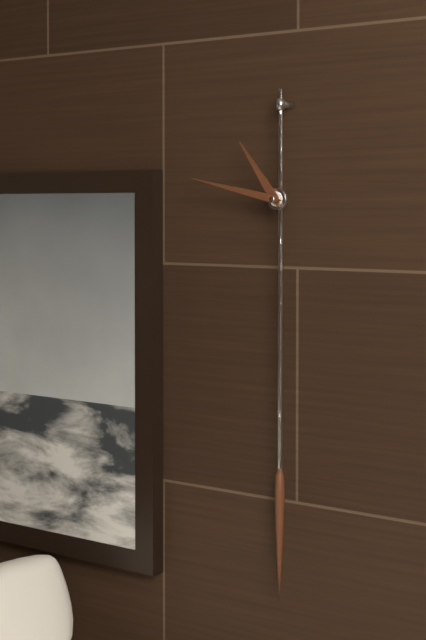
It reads 10 h 47 min
